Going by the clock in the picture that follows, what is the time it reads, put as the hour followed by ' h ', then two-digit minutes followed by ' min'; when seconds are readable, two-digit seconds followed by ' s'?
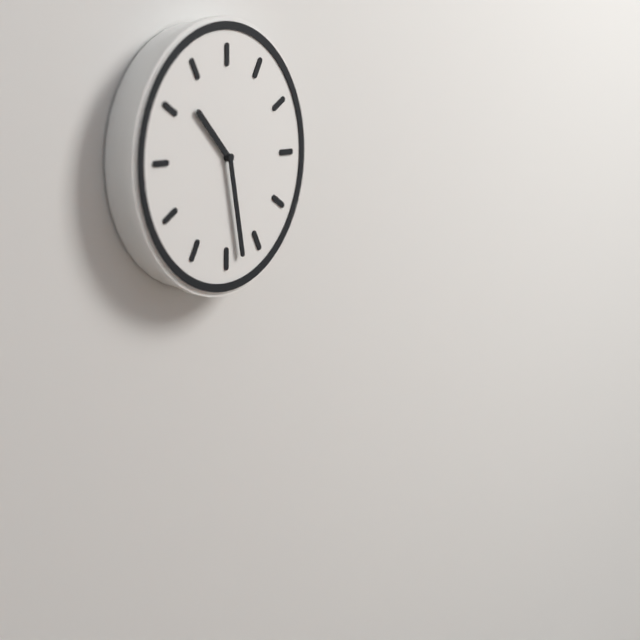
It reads 10 h 28 min
